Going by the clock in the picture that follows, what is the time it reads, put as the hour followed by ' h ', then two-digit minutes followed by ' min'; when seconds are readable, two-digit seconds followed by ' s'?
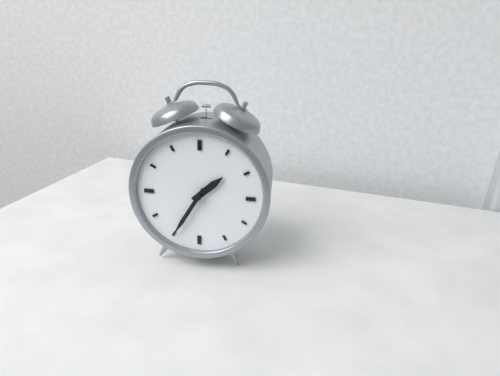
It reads 1 h 35 min
